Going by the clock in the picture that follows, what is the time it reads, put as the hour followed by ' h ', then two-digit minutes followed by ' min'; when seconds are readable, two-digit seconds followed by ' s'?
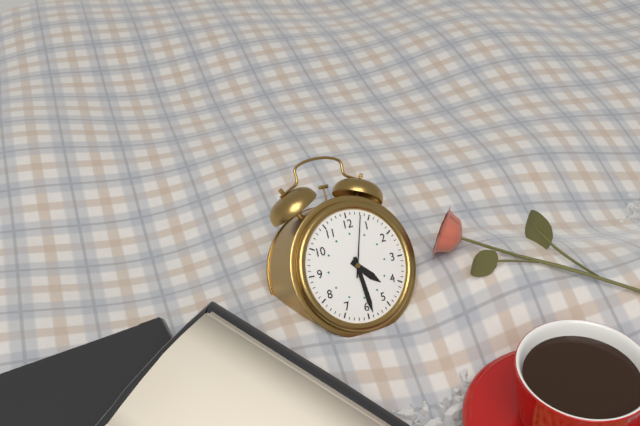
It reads 4 h 29 min 03 s
